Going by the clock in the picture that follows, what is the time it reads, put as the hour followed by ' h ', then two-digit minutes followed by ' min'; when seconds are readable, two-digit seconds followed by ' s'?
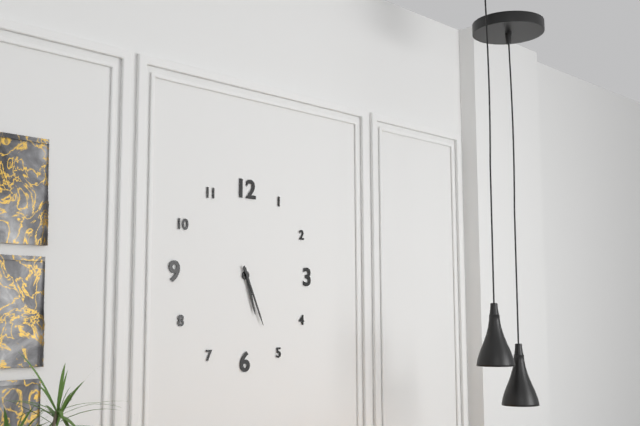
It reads 5 h 26 min
